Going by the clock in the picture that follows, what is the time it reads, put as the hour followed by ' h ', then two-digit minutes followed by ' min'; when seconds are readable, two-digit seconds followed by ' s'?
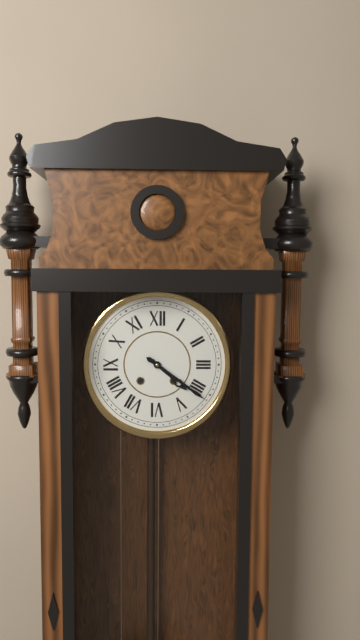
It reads 4 h 21 min
